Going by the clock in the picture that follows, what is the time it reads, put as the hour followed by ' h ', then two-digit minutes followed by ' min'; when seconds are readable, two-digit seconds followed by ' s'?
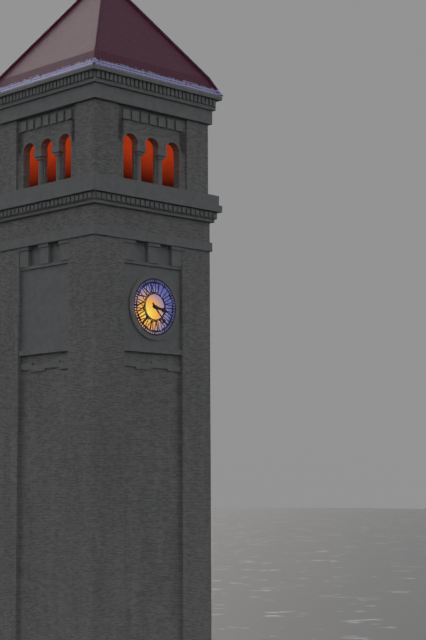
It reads 3 h 23 min
